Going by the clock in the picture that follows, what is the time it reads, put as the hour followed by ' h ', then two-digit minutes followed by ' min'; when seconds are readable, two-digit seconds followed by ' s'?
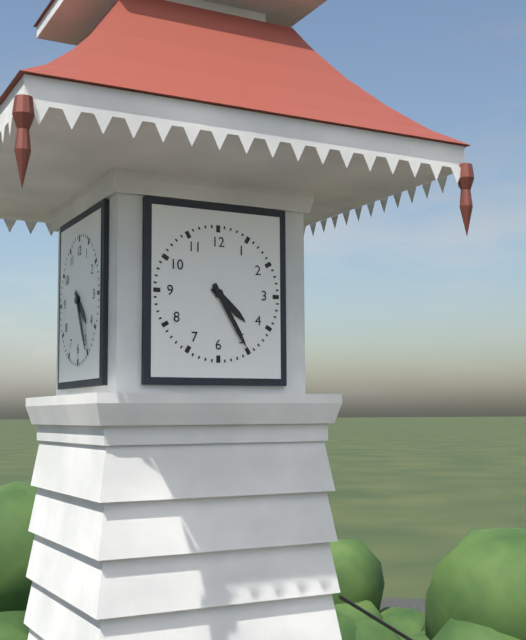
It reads 4 h 25 min
